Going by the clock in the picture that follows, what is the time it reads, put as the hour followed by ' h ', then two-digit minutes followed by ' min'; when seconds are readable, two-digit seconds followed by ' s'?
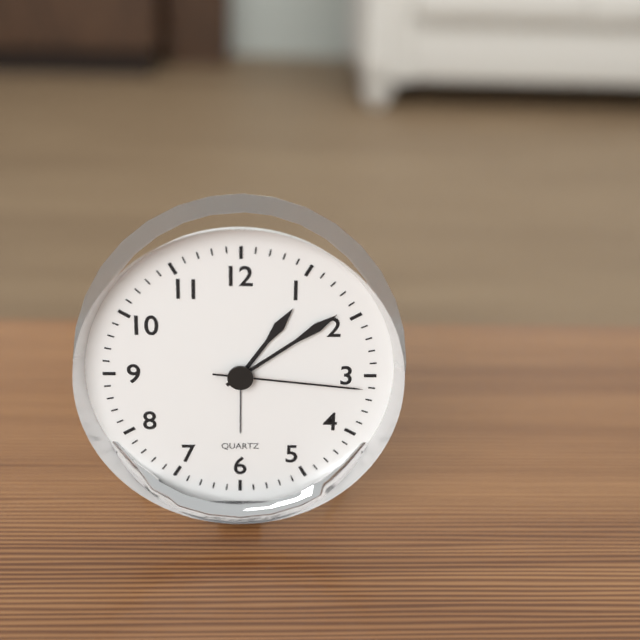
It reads 1 h 09 min 16 s
